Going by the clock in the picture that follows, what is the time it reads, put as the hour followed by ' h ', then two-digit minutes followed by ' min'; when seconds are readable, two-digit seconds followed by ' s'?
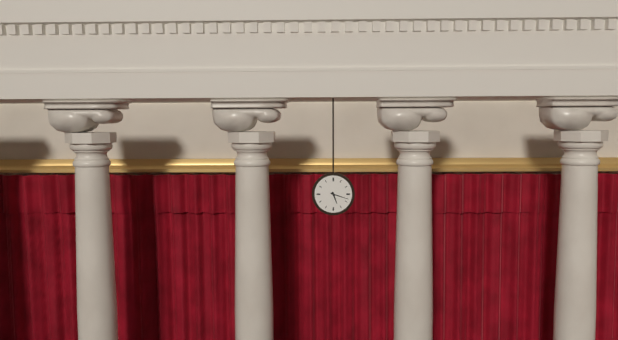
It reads 5 h 18 min
